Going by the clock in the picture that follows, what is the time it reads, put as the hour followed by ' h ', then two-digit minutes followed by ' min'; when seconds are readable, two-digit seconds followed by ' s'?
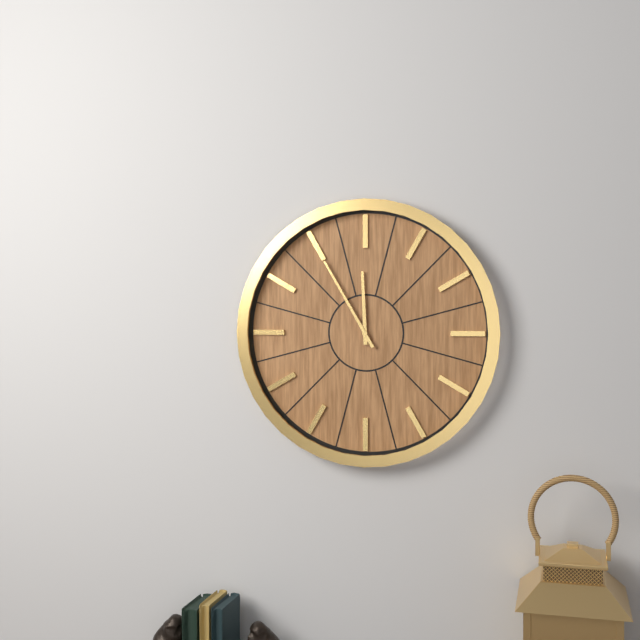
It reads 11 h 55 min
